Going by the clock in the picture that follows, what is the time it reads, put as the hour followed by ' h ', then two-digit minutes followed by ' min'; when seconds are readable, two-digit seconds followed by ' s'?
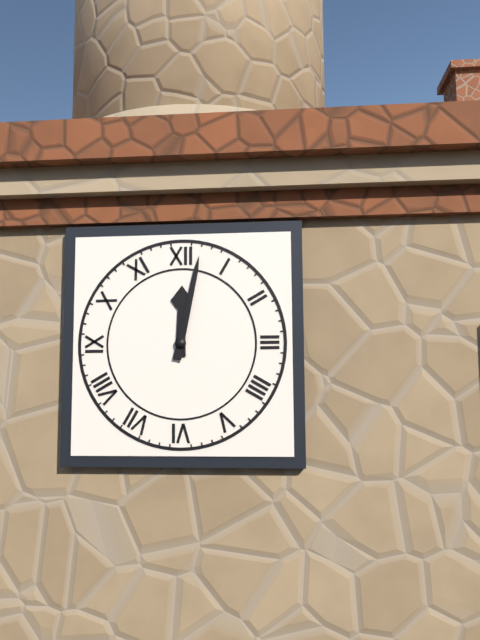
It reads 12 h 02 min
